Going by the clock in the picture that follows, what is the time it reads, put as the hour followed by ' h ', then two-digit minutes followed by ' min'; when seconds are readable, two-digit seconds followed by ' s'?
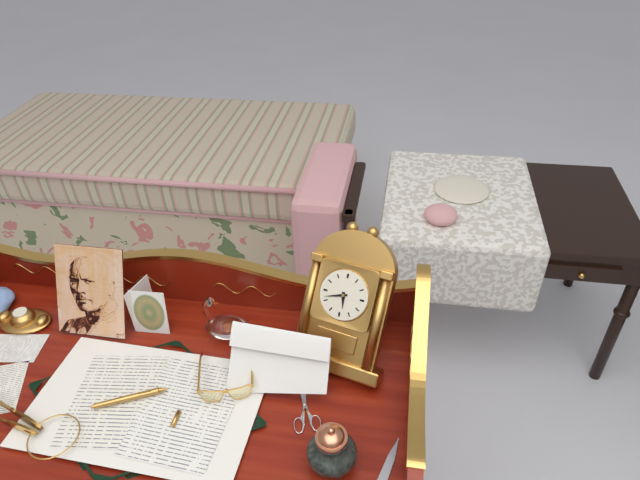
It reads 5 h 42 min
